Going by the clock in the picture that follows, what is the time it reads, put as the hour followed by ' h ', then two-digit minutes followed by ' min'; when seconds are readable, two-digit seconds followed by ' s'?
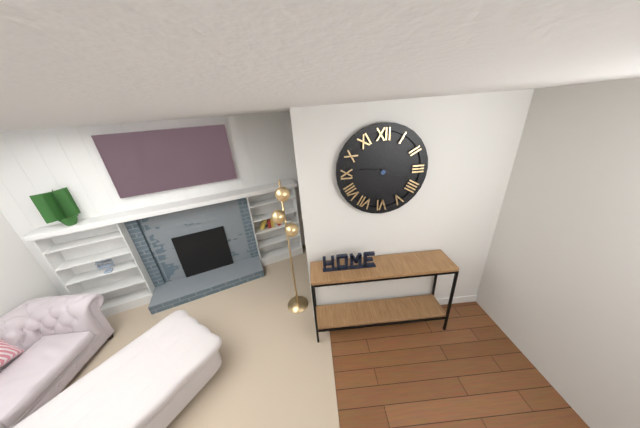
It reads 9 h 18 min
